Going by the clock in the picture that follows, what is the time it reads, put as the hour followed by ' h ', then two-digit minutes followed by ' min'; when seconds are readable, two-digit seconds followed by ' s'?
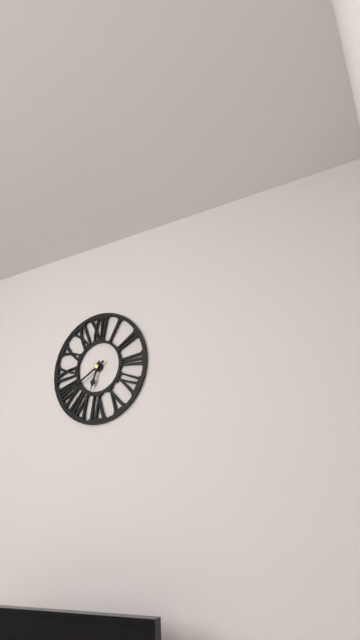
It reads 6 h 40 min
